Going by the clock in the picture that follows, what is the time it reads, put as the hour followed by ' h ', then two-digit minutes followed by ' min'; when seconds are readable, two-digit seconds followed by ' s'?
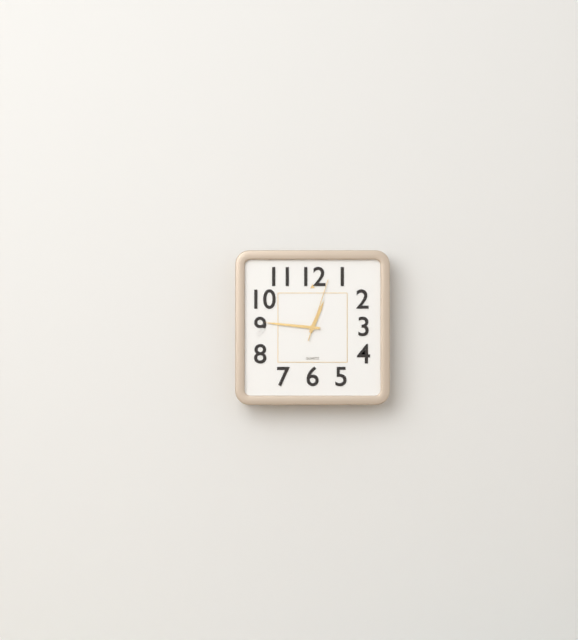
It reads 12 h 46 min 03 s
